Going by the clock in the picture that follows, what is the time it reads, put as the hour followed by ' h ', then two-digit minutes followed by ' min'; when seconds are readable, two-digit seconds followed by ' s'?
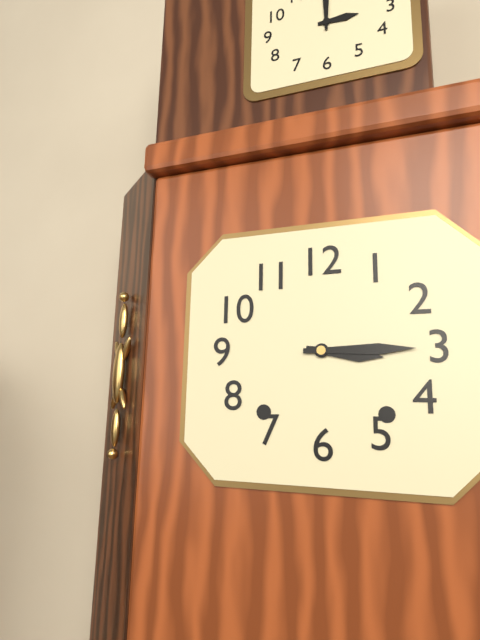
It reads 3 h 15 min
